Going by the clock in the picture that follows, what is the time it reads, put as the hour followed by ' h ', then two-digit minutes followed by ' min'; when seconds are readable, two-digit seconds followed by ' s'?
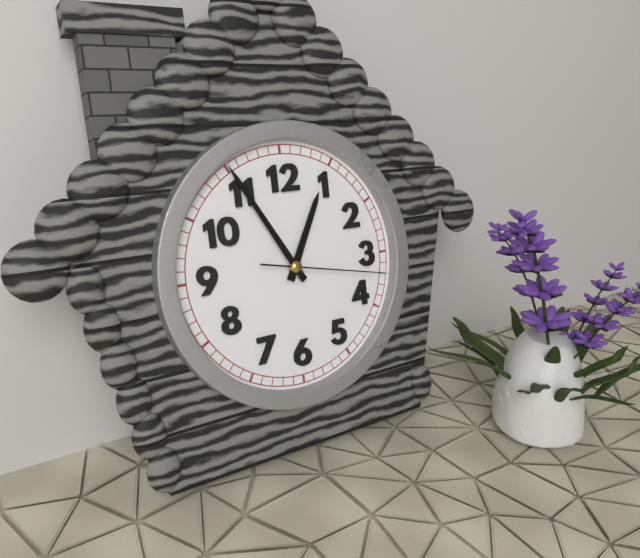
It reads 12 h 55 min 17 s
